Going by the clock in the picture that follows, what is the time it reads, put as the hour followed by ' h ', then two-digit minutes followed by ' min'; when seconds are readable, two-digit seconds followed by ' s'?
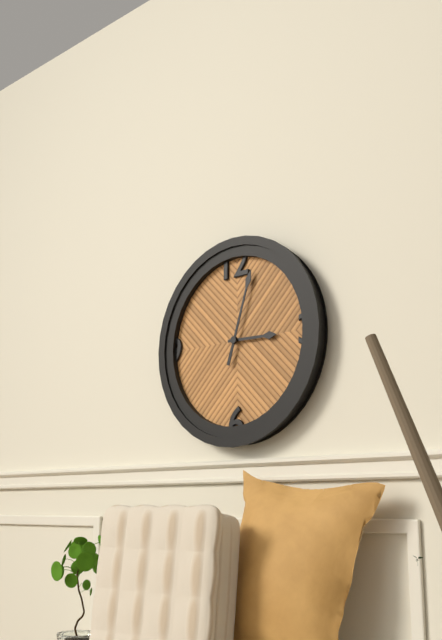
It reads 3 h 03 min
